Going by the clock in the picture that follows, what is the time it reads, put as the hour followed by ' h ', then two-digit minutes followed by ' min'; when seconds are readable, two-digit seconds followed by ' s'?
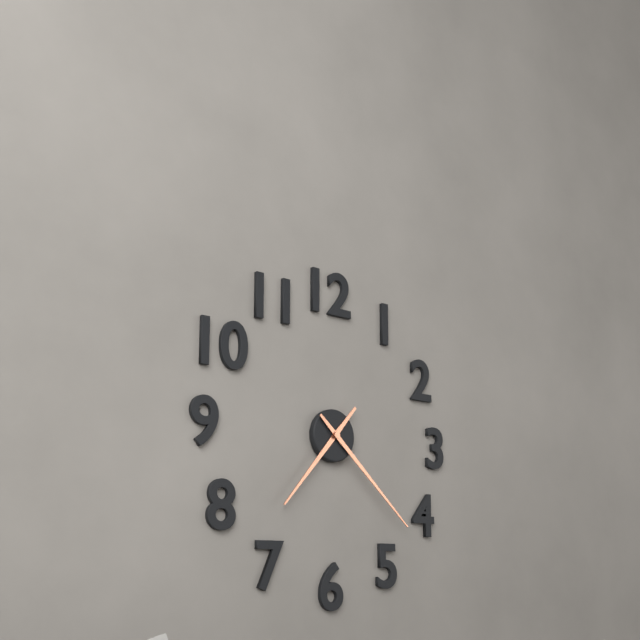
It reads 7 h 22 min
